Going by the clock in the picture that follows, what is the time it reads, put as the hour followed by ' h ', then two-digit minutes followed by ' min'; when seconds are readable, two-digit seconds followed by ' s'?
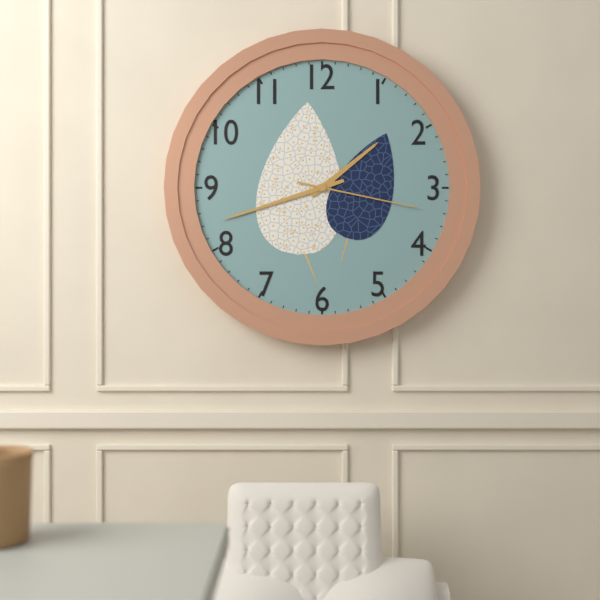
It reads 1 h 42 min 17 s
